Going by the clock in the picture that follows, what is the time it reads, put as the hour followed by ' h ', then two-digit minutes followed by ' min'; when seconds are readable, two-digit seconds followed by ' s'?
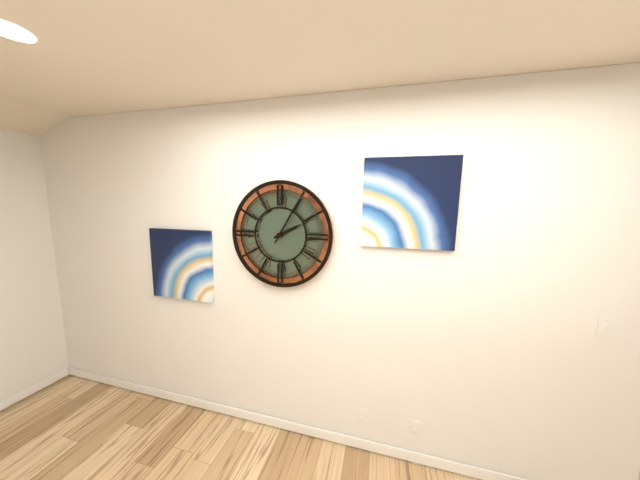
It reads 2 h 05 min
